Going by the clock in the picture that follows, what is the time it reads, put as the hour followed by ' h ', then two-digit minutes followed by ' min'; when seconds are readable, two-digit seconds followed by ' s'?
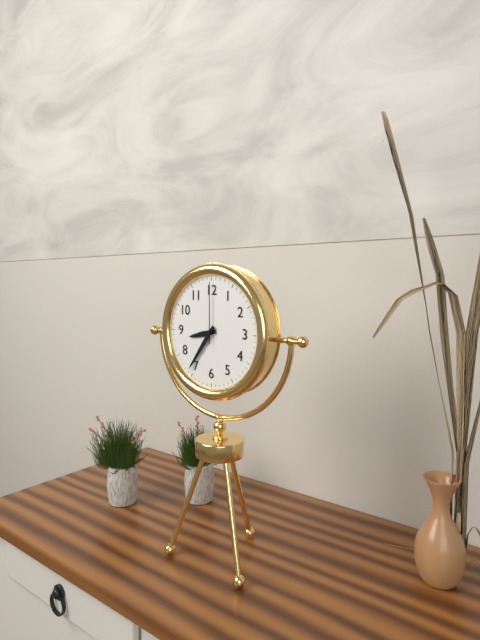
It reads 8 h 36 min 00 s
